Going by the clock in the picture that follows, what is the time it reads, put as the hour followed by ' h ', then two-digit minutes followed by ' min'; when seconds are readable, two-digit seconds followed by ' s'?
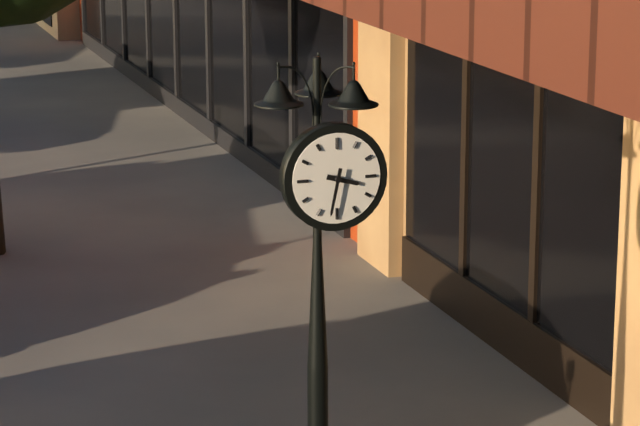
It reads 3 h 32 min
